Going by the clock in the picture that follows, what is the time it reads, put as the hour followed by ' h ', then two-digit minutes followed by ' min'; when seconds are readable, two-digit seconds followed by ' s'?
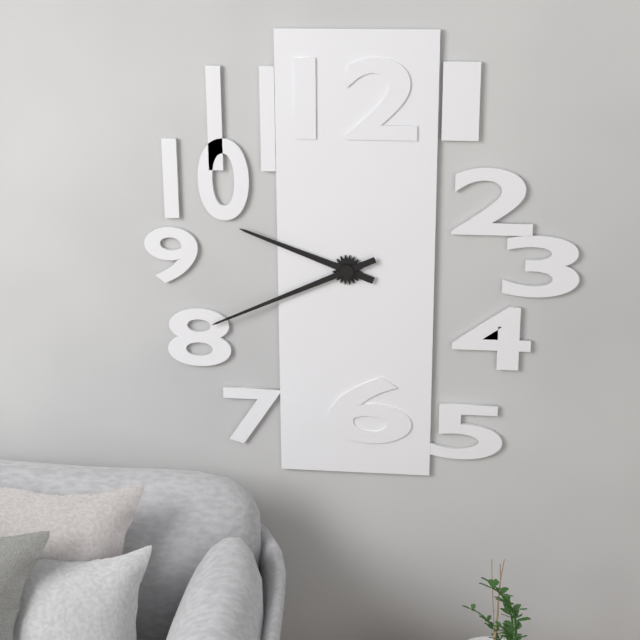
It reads 9 h 41 min
